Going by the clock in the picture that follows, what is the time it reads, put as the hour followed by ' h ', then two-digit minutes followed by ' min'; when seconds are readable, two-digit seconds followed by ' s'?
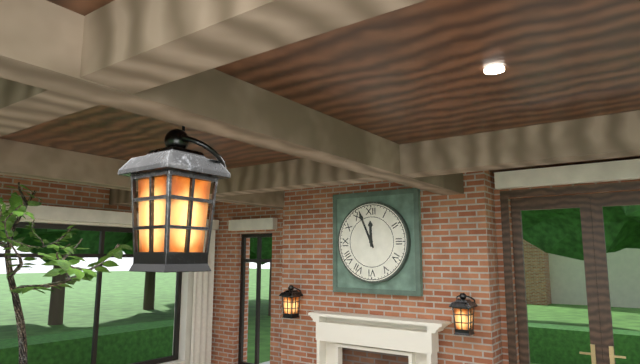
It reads 11 h 56 min
